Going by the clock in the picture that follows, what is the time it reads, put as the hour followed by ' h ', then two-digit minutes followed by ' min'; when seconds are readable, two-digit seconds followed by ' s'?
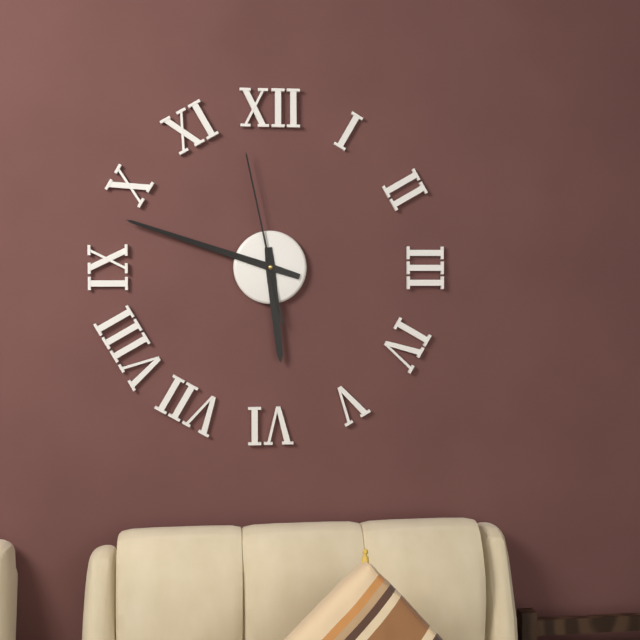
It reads 5 h 48 min 58 s
